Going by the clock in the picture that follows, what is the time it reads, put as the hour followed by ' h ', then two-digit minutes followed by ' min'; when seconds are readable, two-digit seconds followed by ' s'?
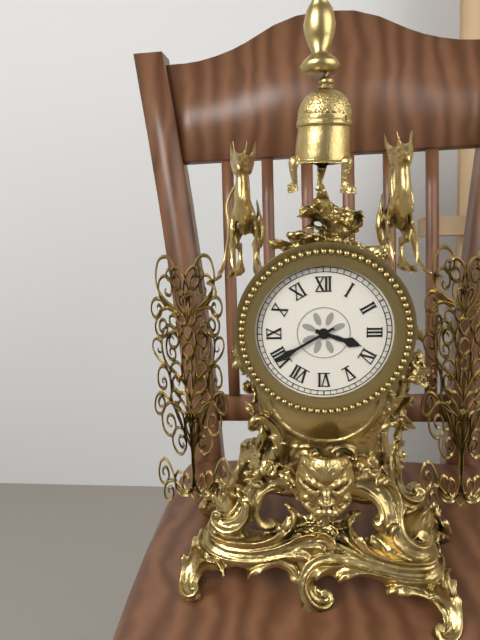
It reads 3 h 40 min
